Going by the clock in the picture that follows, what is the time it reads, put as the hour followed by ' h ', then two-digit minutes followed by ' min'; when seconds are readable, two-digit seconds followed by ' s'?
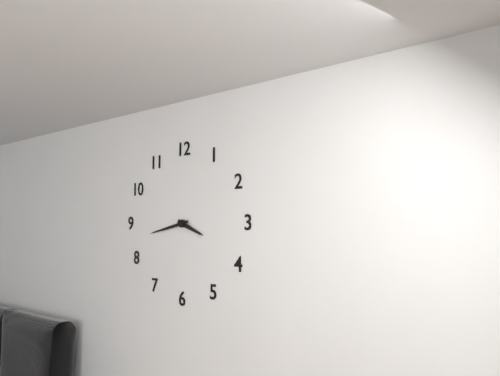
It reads 3 h 43 min
